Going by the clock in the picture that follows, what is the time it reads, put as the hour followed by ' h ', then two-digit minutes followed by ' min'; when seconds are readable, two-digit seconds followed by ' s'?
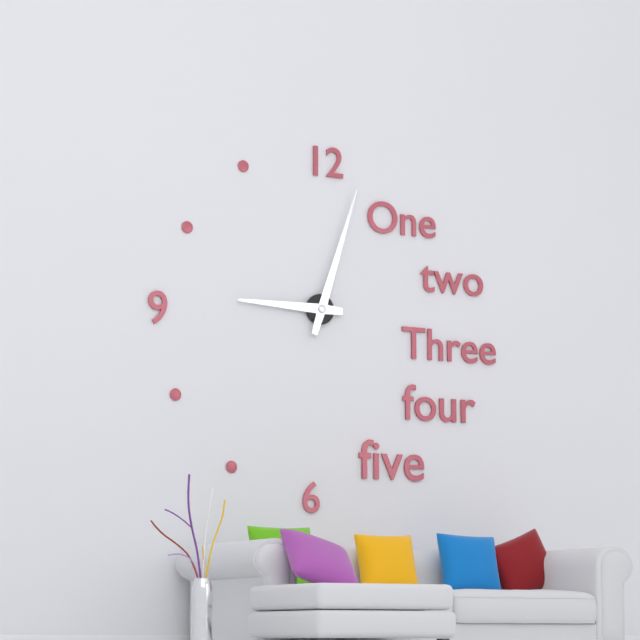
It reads 9 h 03 min
